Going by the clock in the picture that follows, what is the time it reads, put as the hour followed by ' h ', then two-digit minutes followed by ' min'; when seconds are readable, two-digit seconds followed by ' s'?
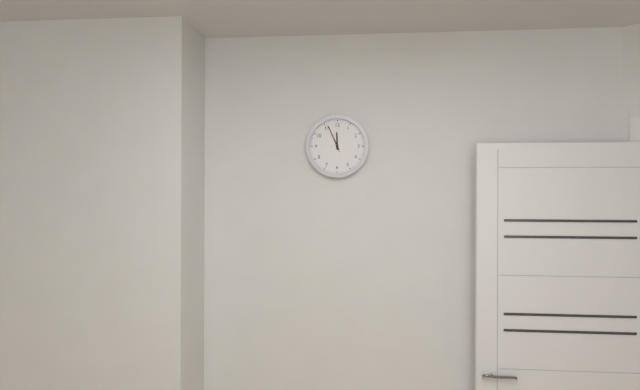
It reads 11 h 56 min
